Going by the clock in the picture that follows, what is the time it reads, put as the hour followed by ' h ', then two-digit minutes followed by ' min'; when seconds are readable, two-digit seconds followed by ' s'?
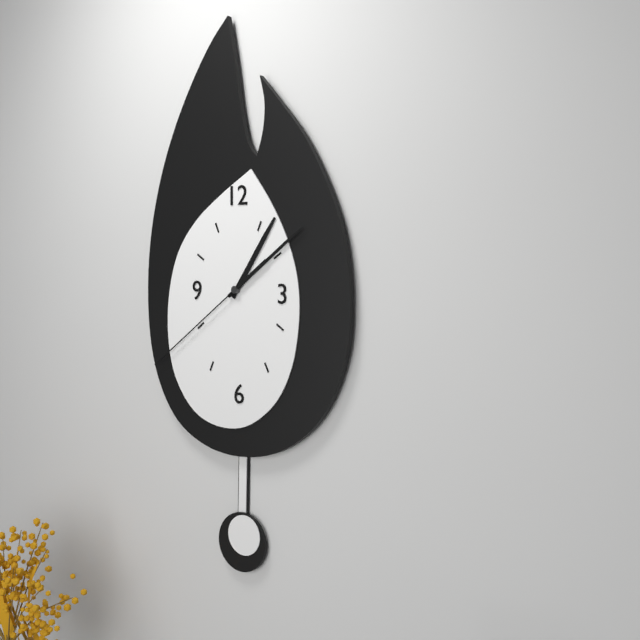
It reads 1 h 09 min 39 s
